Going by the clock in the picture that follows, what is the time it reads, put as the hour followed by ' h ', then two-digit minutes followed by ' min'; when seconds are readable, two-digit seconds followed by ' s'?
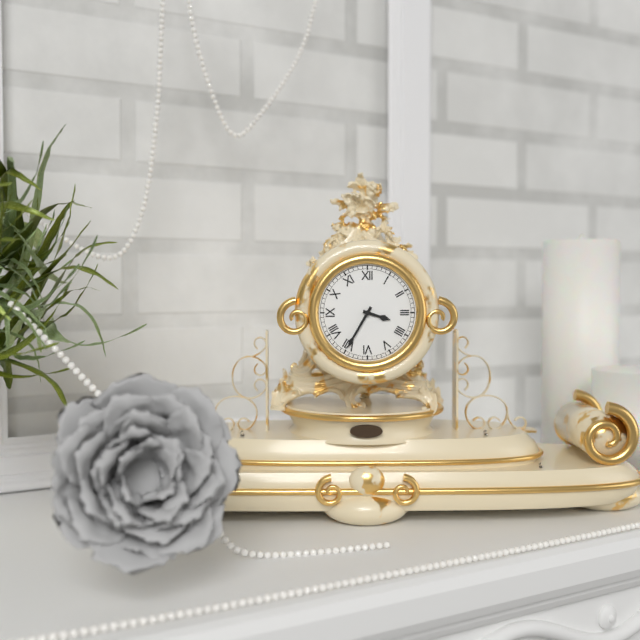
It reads 3 h 35 min
